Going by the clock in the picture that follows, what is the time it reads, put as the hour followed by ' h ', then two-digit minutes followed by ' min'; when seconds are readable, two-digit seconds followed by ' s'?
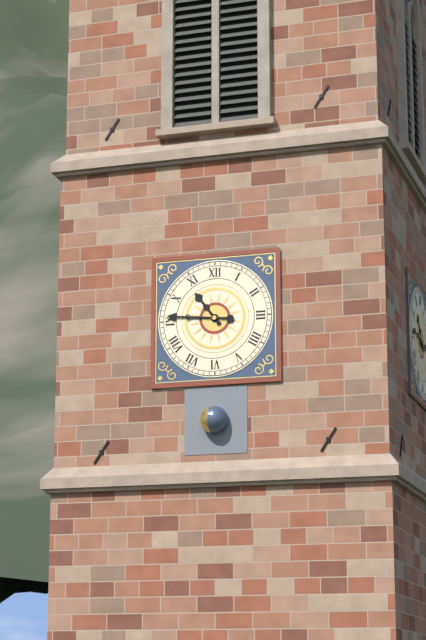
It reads 10 h 46 min
